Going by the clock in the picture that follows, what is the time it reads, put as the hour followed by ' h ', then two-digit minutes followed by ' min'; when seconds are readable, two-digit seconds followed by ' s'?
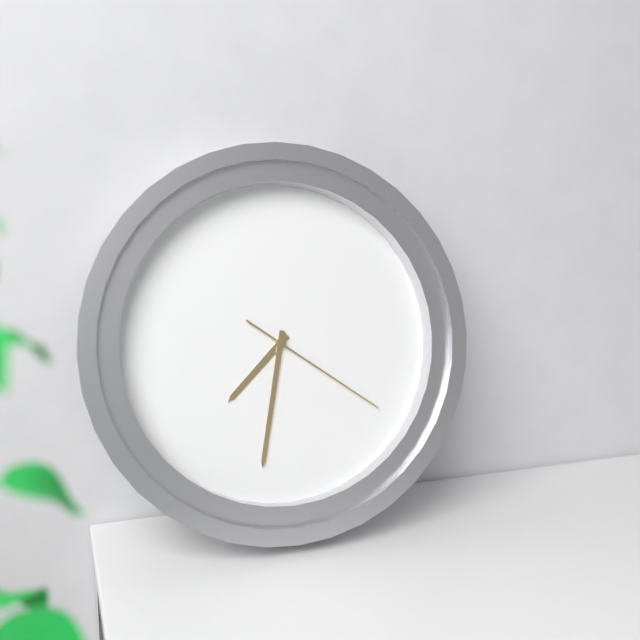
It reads 7 h 32 min 21 s
